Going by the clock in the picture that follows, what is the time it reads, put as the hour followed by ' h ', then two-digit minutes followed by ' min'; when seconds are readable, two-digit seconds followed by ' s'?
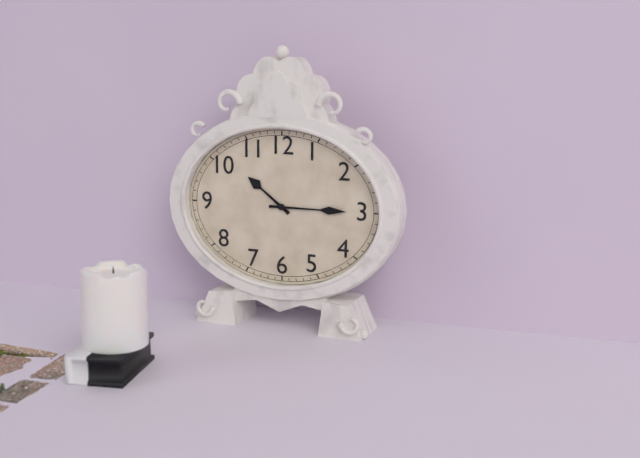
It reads 10 h 15 min
